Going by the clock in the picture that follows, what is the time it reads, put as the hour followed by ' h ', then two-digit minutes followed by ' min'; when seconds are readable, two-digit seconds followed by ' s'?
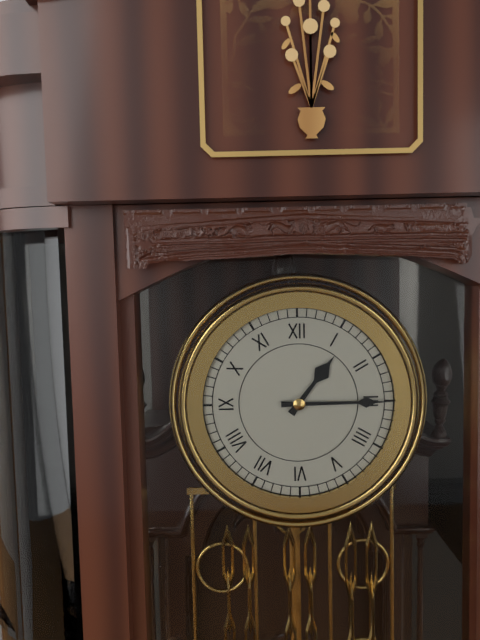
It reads 1 h 15 min
